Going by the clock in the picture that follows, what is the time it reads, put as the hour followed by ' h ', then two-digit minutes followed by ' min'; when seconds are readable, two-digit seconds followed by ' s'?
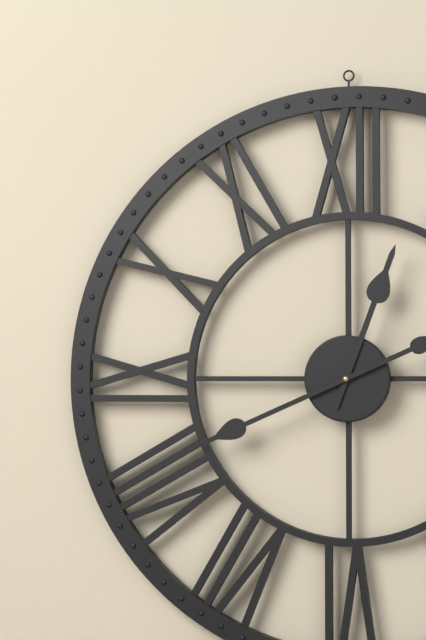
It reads 12 h 41 min
